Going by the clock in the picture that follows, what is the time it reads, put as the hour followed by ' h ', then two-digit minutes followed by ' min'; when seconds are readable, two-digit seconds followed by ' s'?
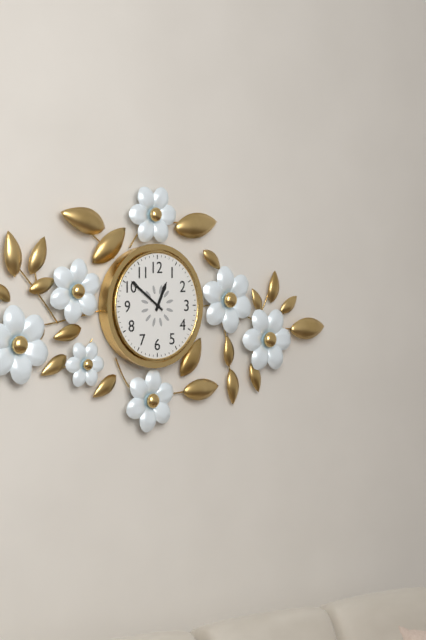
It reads 12 h 51 min
